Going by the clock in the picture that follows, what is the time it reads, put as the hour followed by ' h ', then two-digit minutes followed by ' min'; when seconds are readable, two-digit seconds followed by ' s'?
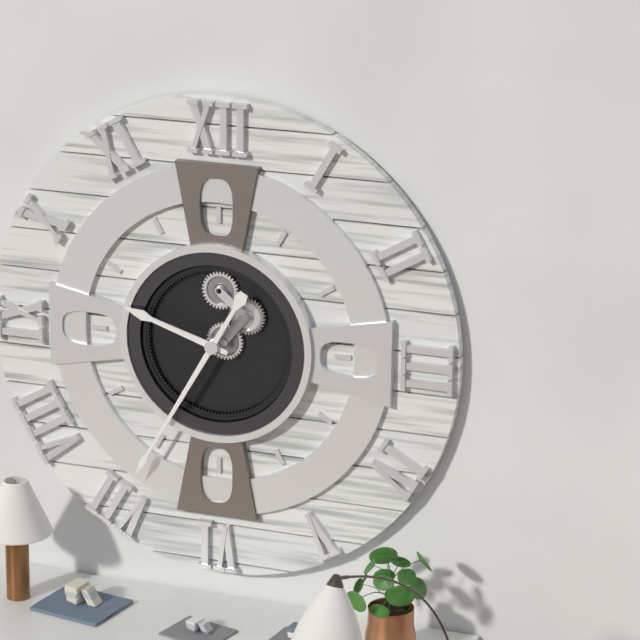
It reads 9 h 35 min
